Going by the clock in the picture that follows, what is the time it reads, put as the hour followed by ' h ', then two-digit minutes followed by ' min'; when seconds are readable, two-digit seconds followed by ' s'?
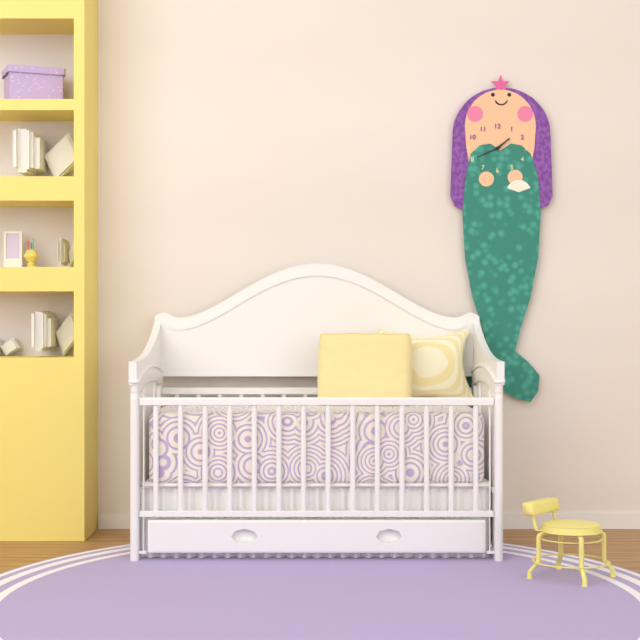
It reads 1 h 41 min
